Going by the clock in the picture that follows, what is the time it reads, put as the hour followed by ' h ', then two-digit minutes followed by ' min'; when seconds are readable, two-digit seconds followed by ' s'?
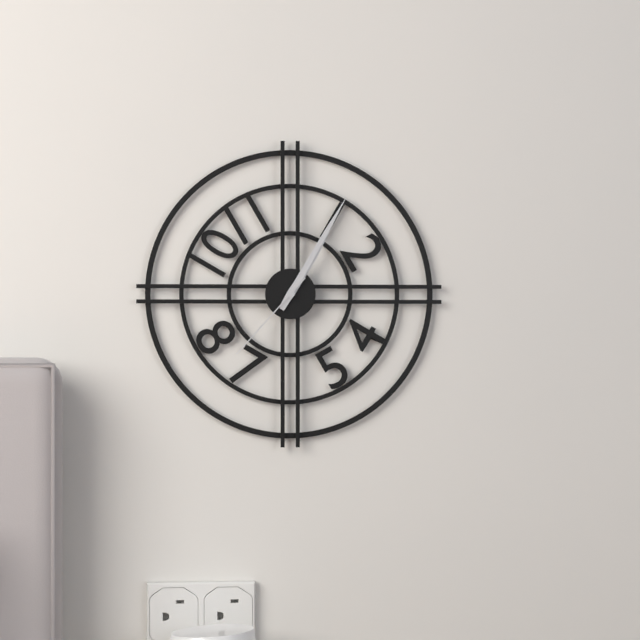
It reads 1 h 05 min 37 s
